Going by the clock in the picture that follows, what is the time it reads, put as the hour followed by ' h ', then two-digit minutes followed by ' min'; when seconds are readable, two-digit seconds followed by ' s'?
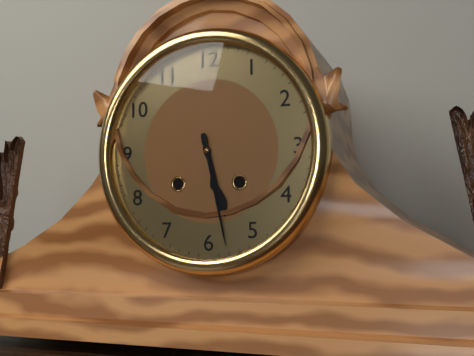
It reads 5 h 28 min
